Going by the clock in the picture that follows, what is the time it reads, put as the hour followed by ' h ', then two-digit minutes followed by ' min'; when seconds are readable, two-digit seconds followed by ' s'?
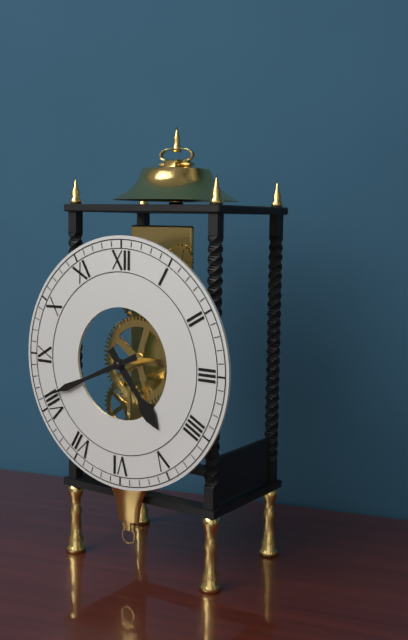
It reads 4 h 41 min
